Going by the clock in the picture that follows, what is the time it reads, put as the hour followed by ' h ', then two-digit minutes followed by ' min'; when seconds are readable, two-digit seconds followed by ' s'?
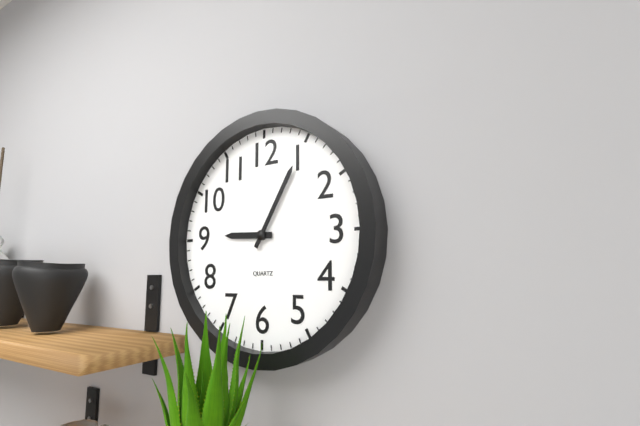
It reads 9 h 05 min
